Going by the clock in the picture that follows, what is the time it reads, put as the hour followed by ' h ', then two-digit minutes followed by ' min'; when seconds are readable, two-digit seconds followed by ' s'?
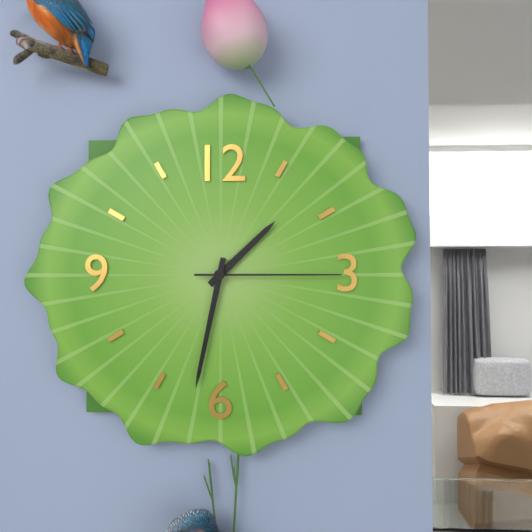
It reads 1 h 32 min 15 s
